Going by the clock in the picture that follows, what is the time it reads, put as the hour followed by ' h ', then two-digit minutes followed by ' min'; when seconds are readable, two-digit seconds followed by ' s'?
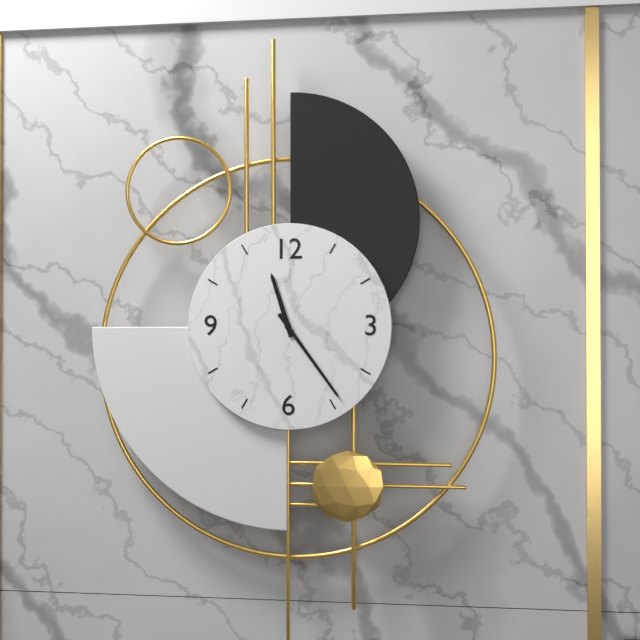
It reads 11 h 24 min
